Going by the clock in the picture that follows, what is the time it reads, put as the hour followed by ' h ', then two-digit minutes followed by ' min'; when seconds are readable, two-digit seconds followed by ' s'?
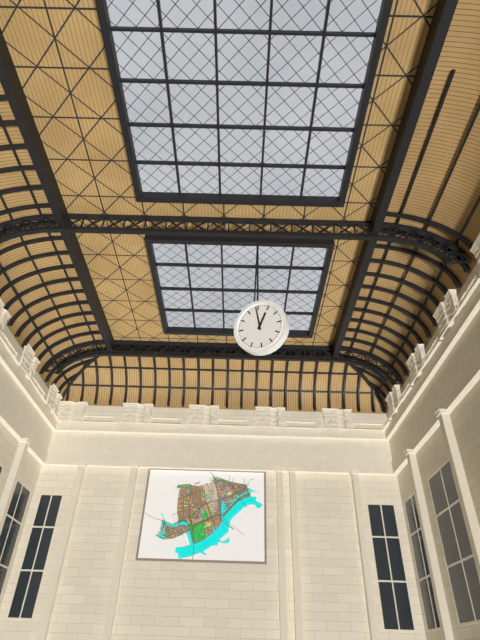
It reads 12 h 59 min
